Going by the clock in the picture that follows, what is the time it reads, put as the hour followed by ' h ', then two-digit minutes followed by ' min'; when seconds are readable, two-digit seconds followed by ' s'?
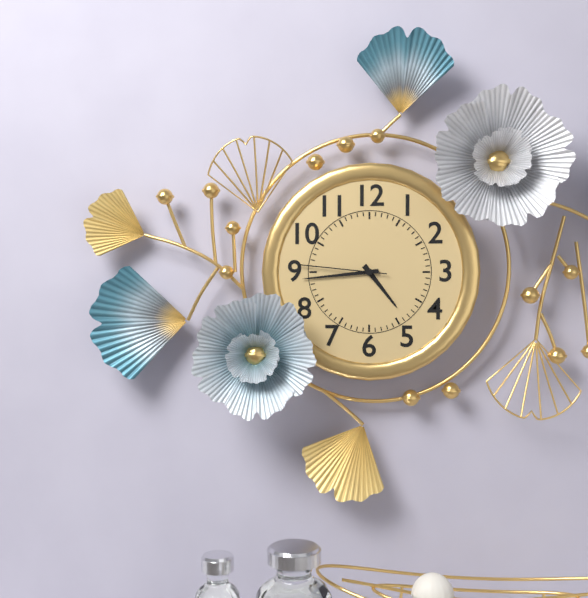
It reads 4 h 44 min 46 s
